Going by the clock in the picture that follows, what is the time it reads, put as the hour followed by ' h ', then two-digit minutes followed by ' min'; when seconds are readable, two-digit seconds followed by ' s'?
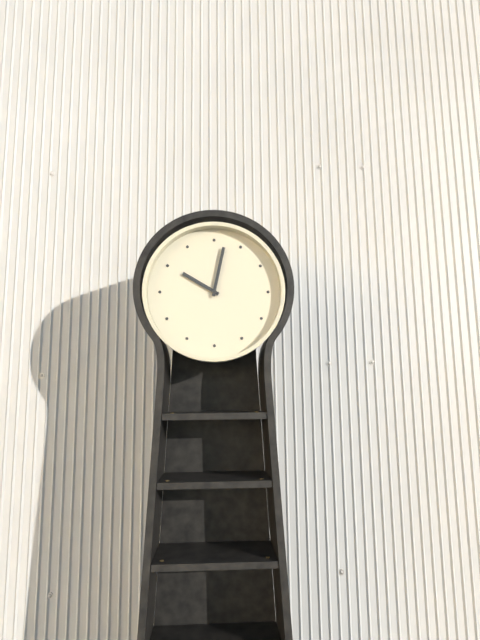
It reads 10 h 02 min
